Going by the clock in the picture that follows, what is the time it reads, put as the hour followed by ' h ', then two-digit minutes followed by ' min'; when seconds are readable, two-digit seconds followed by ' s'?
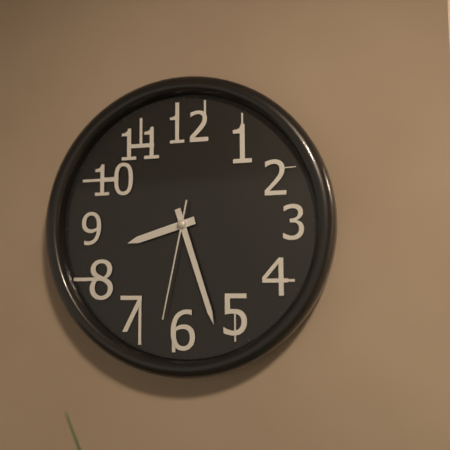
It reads 8 h 27 min 32 s
